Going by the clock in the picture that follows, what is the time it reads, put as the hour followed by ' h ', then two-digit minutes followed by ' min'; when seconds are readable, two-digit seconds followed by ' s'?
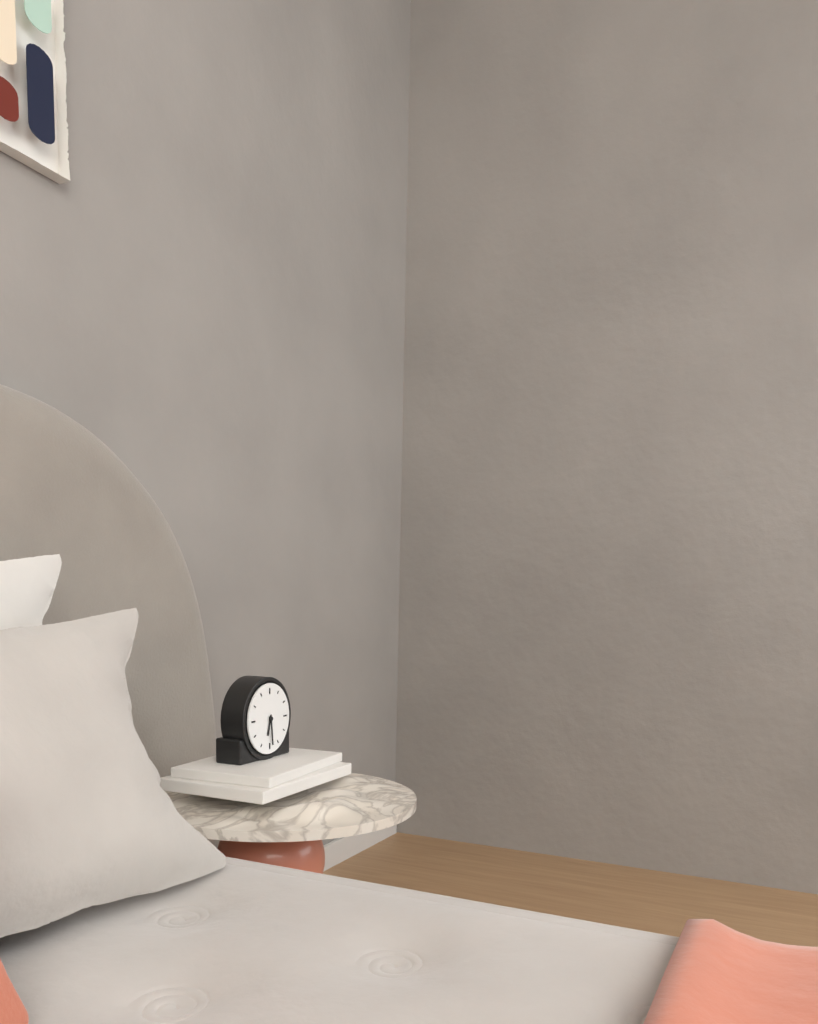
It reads 6 h 29 min
